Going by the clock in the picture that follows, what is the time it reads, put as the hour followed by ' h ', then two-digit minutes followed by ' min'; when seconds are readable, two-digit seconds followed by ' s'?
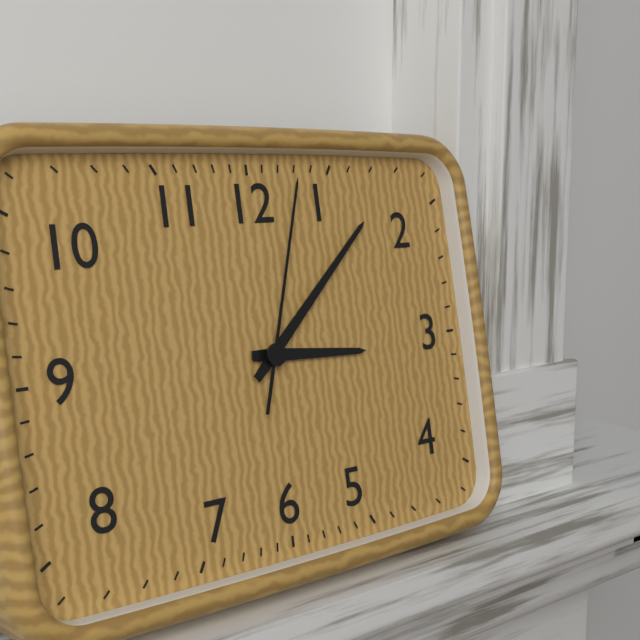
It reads 3 h 08 min 03 s
